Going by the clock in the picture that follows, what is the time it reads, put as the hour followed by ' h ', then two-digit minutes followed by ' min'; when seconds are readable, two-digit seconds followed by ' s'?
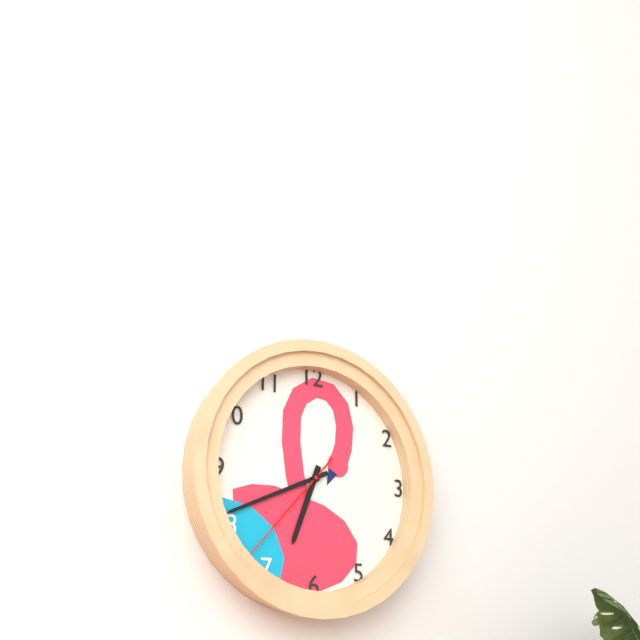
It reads 6 h 41 min 37 s
